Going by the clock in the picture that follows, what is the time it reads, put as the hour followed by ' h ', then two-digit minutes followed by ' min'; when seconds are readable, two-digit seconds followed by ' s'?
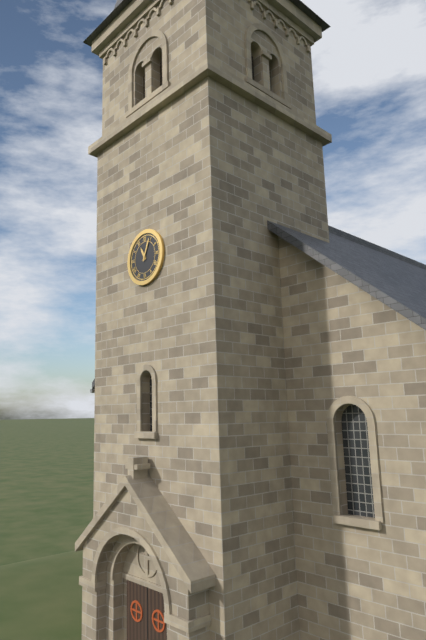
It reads 11 h 04 min
